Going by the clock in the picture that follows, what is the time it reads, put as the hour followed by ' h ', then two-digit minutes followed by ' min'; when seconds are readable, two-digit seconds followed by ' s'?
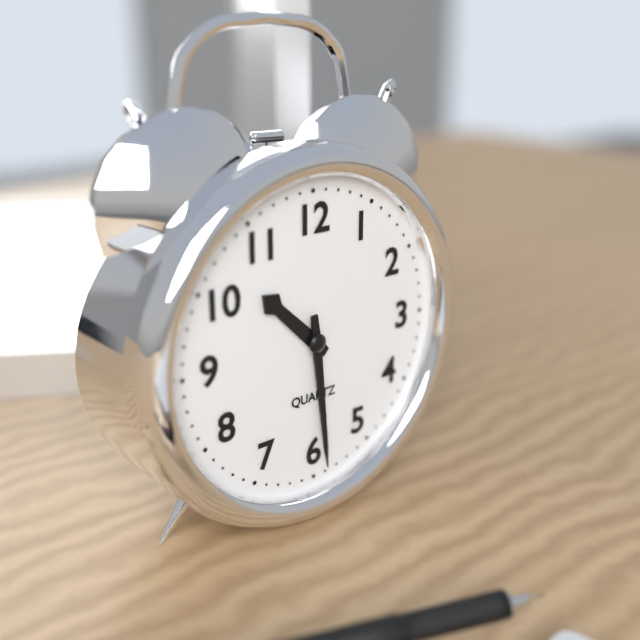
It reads 10 h 29 min
